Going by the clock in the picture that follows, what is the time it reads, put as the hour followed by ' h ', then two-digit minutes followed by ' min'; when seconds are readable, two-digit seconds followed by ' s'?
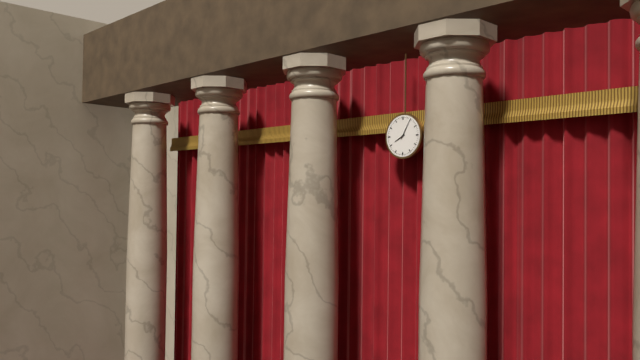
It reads 8 h 05 min
